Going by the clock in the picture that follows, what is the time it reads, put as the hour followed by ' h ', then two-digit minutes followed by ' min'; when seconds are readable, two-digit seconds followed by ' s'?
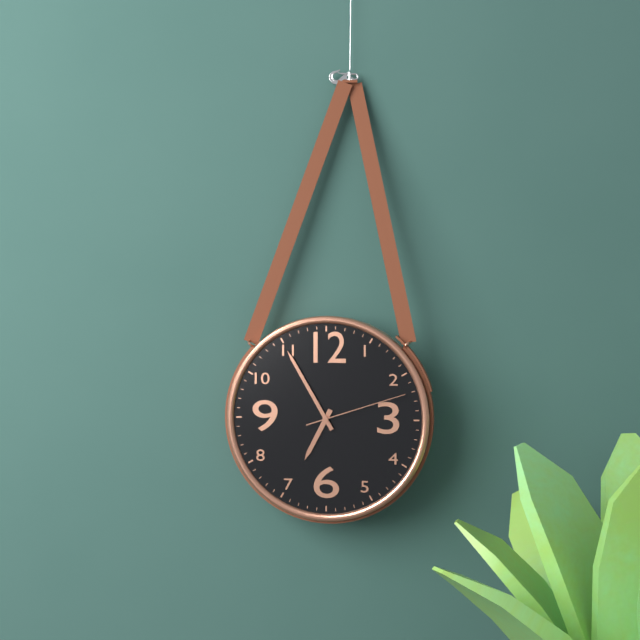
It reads 6 h 55 min 12 s
